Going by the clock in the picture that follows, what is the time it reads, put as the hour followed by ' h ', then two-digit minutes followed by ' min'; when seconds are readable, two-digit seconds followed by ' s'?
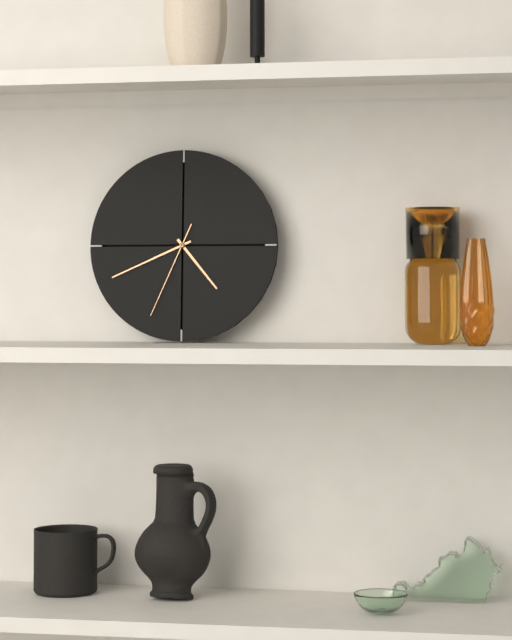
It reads 4 h 41 min 34 s
